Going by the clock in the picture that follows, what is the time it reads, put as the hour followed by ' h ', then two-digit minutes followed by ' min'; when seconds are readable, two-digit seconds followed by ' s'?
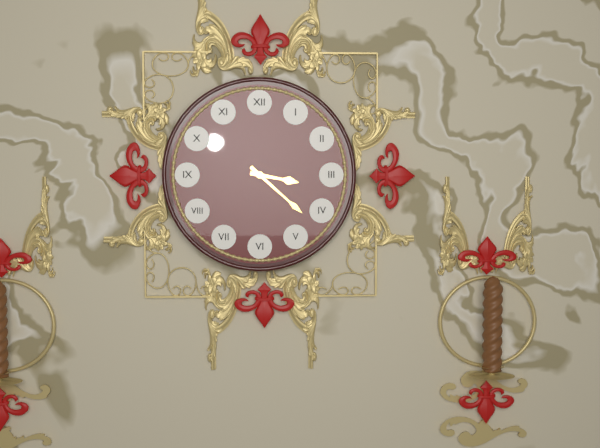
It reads 3 h 22 min
